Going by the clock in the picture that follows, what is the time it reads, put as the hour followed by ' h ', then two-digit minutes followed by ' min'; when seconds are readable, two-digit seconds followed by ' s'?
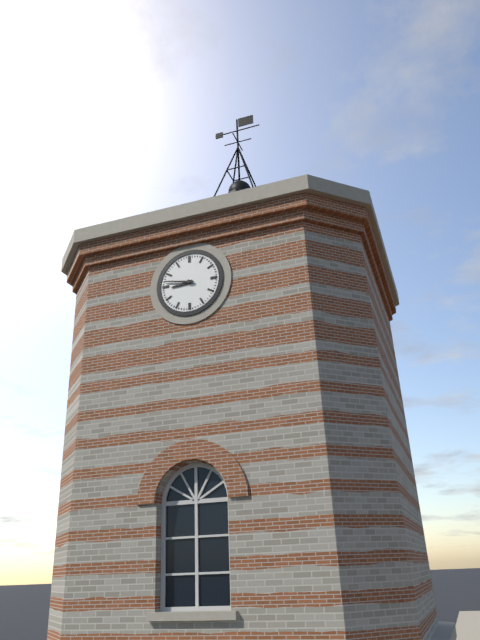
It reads 8 h 47 min
